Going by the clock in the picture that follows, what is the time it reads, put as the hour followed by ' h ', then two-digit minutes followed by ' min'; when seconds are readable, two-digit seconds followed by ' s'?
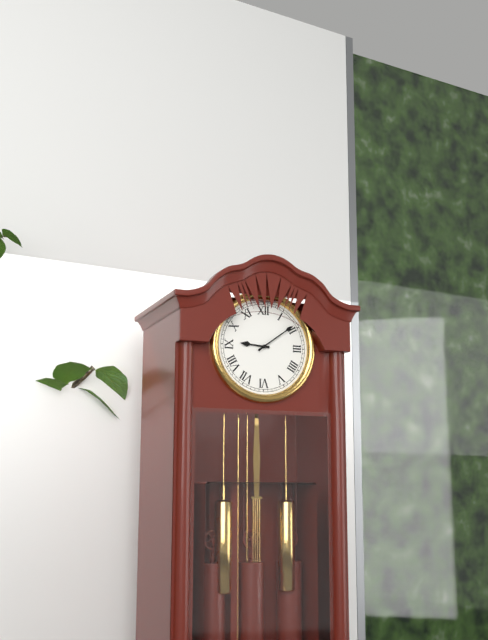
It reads 9 h 09 min
